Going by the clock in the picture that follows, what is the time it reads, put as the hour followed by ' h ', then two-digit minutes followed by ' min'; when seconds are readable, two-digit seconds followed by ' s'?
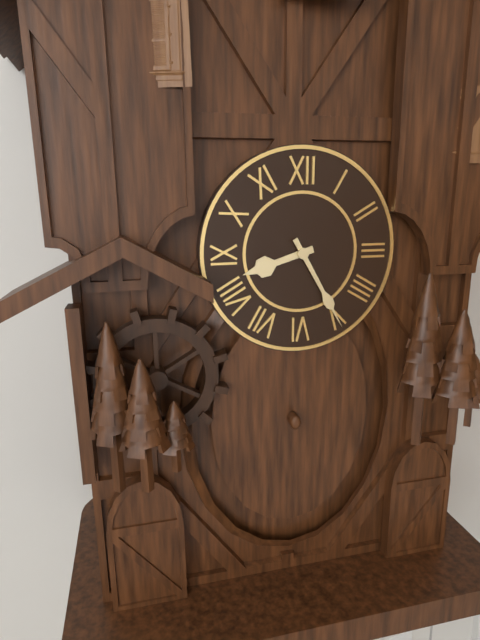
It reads 8 h 25 min
